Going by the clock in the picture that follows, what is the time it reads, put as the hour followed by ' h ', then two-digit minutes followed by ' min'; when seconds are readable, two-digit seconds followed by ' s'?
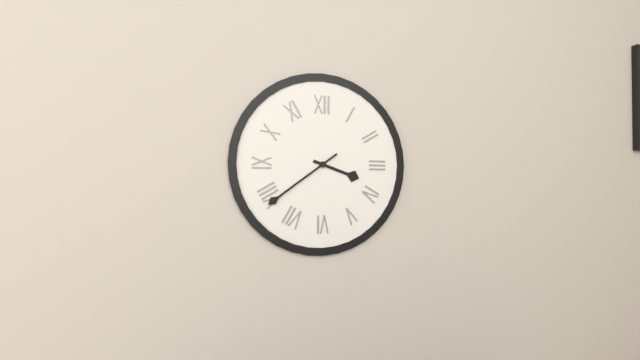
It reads 3 h 39 min
